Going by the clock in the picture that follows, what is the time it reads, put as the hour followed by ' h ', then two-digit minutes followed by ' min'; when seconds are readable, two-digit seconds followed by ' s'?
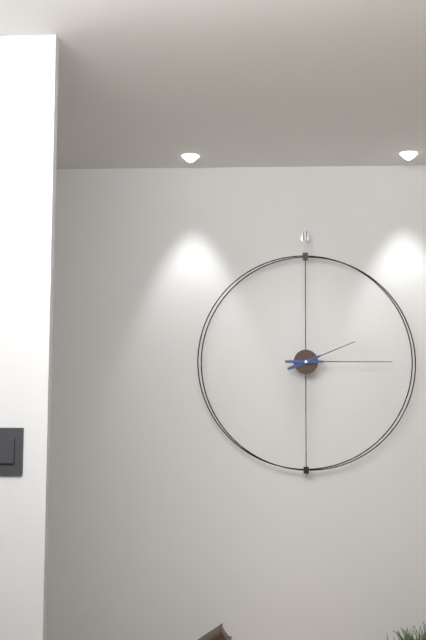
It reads 2 h 15 min
